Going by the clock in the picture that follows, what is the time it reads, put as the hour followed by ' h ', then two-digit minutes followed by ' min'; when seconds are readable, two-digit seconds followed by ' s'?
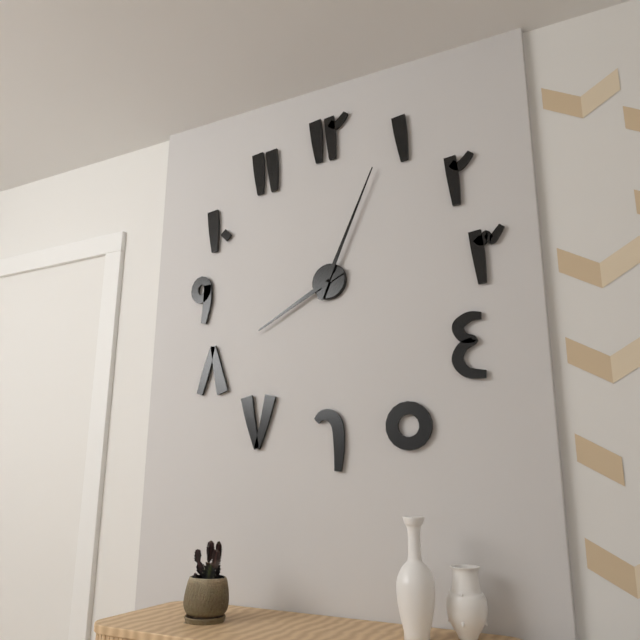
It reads 8 h 04 min
